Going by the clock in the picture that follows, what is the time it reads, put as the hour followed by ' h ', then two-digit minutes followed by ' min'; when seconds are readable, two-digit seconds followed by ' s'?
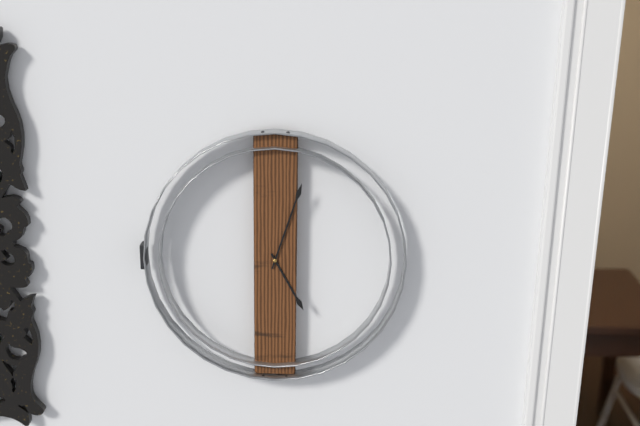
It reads 5 h 03 min
